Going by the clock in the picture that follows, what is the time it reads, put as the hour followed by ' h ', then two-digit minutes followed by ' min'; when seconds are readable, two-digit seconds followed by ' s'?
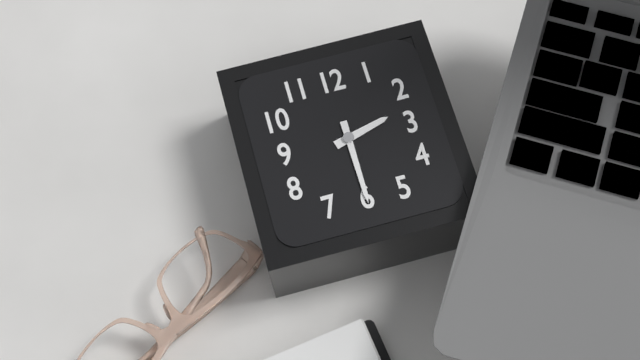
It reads 2 h 30 min
